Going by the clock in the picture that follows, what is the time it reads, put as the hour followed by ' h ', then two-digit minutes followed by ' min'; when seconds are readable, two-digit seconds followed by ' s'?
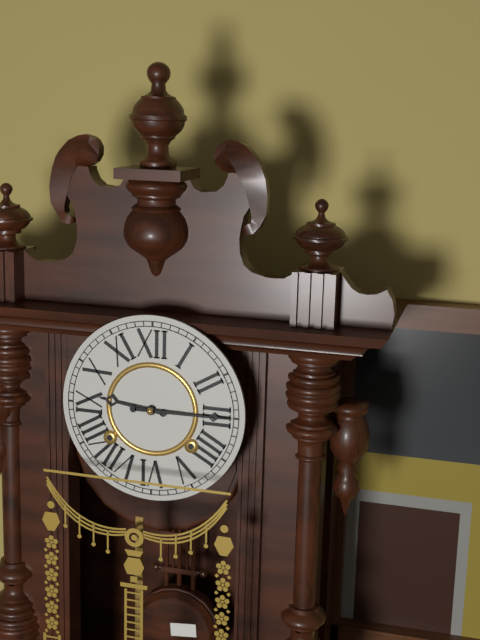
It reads 9 h 15 min
